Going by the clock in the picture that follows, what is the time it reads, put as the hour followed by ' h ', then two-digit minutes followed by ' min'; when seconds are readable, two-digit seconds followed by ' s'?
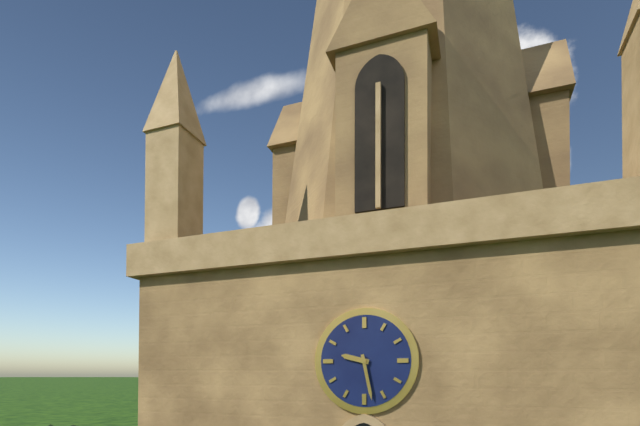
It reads 9 h 28 min
